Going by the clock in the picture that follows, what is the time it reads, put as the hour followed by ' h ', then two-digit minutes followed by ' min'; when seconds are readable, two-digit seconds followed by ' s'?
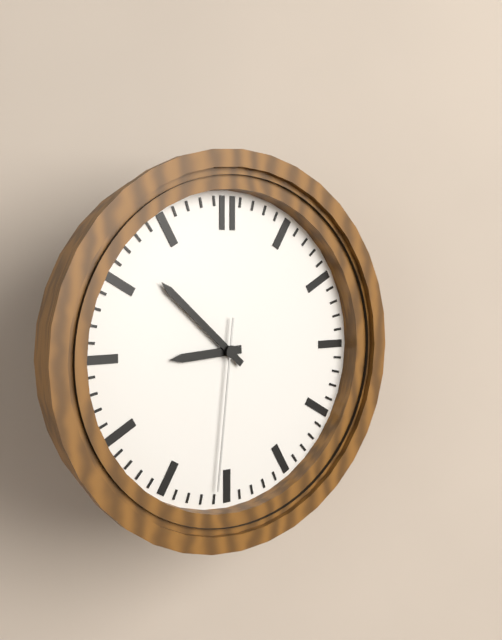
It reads 8 h 52 min 31 s
